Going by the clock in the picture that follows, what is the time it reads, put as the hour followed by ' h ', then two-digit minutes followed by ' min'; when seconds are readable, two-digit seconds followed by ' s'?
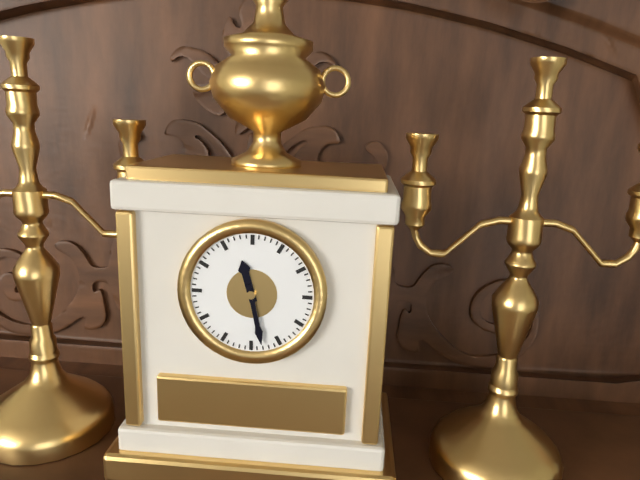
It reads 11 h 28 min
